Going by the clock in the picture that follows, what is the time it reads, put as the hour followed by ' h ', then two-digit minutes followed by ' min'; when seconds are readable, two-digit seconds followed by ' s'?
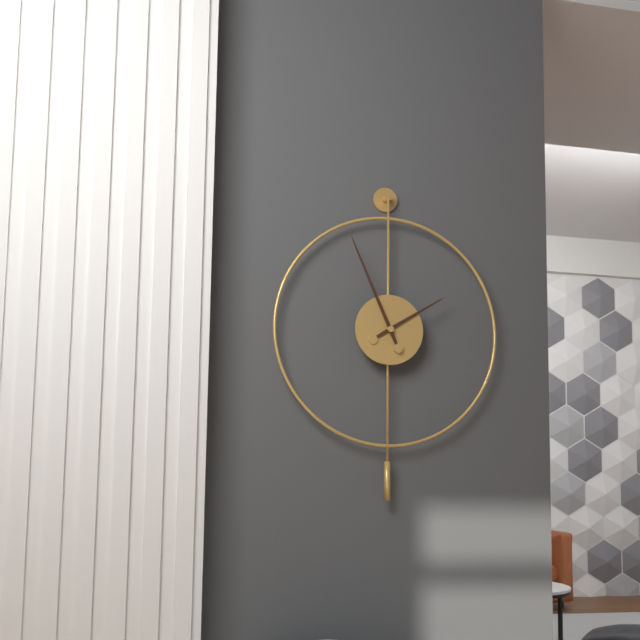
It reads 1 h 56 min
